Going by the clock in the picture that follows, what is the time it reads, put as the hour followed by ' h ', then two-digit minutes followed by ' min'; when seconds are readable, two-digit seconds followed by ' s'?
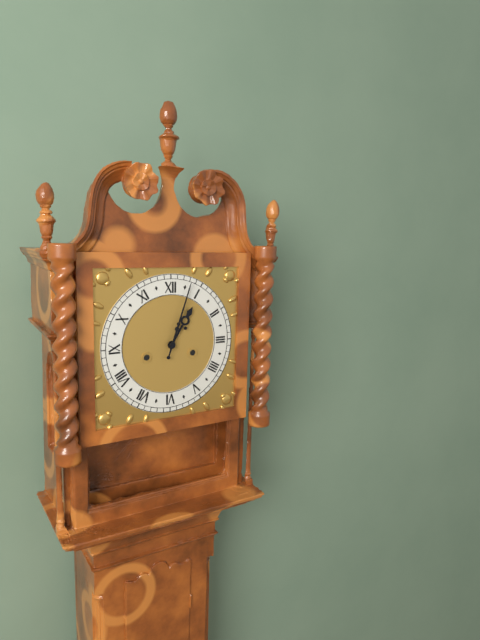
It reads 1 h 03 min
